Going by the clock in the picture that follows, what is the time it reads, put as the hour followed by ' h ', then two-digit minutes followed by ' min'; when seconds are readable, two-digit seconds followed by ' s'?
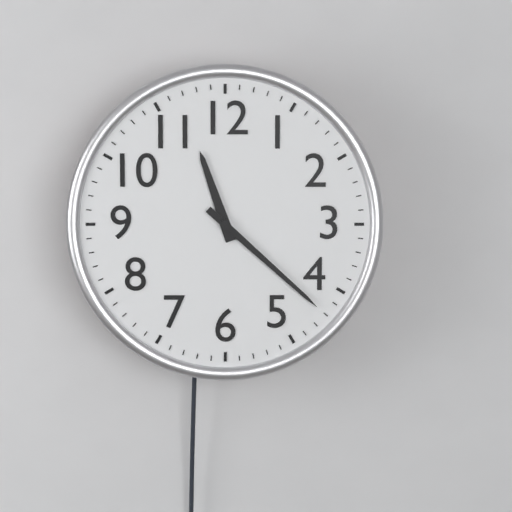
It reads 11 h 22 min
